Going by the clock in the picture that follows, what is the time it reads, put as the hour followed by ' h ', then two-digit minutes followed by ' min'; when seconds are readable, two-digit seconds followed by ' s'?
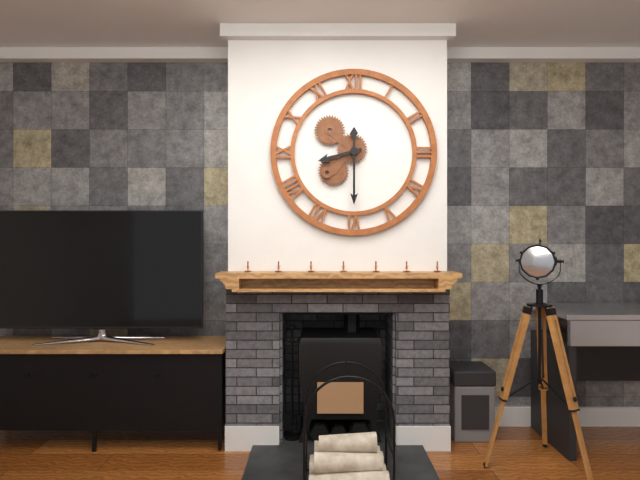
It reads 8 h 30 min
